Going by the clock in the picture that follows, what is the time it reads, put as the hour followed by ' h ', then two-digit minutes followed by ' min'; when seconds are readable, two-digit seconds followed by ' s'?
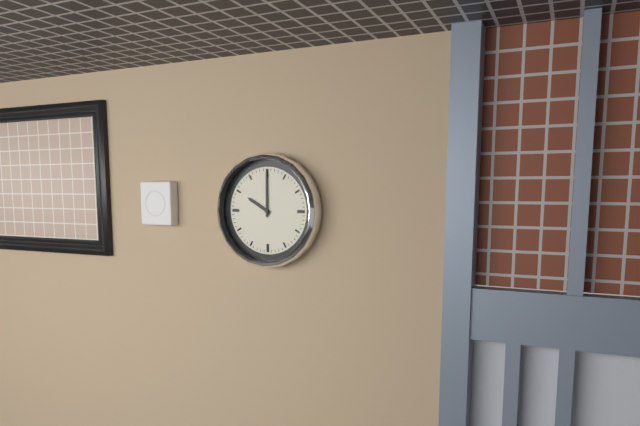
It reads 10 h 00 min
